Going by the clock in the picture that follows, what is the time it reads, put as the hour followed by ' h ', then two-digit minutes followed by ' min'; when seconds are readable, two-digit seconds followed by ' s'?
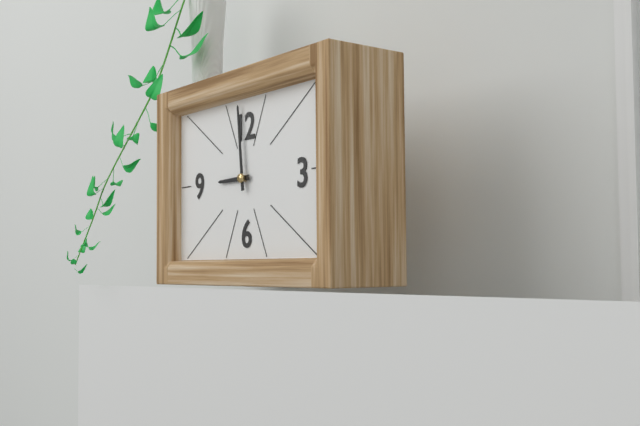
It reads 8 h 59 min
